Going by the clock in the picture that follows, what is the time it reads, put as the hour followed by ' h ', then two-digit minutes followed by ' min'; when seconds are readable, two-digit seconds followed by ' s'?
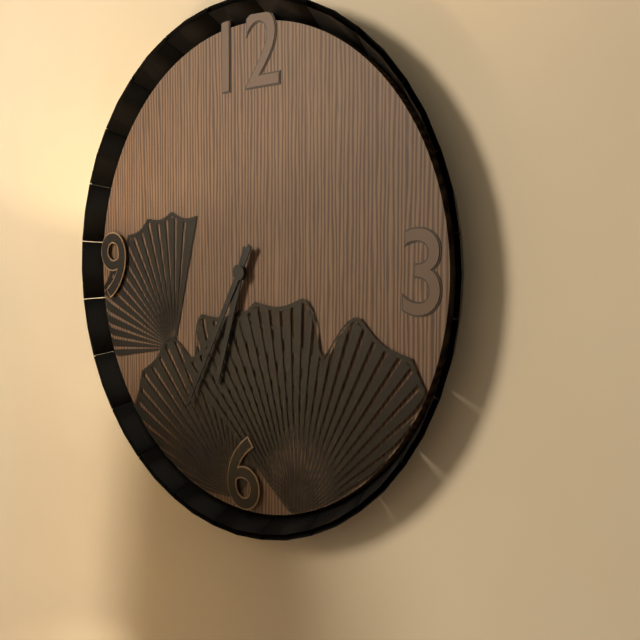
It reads 6 h 35 min
